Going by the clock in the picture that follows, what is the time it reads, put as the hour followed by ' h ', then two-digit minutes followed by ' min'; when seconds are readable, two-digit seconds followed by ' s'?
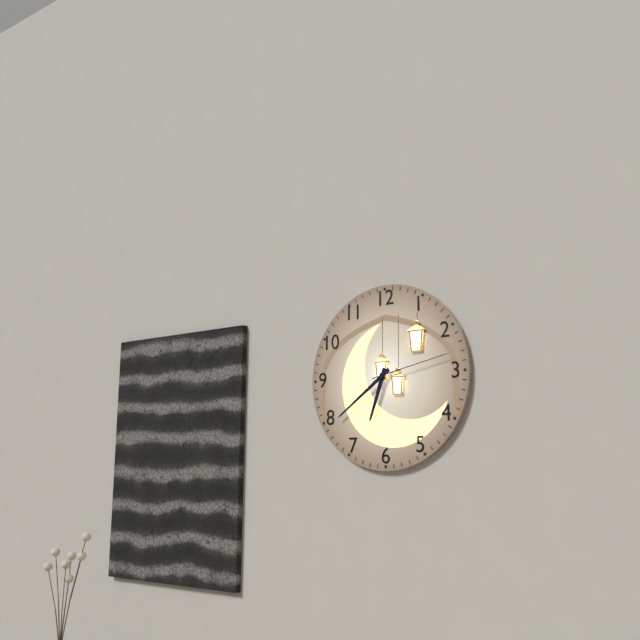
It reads 6 h 39 min 13 s
